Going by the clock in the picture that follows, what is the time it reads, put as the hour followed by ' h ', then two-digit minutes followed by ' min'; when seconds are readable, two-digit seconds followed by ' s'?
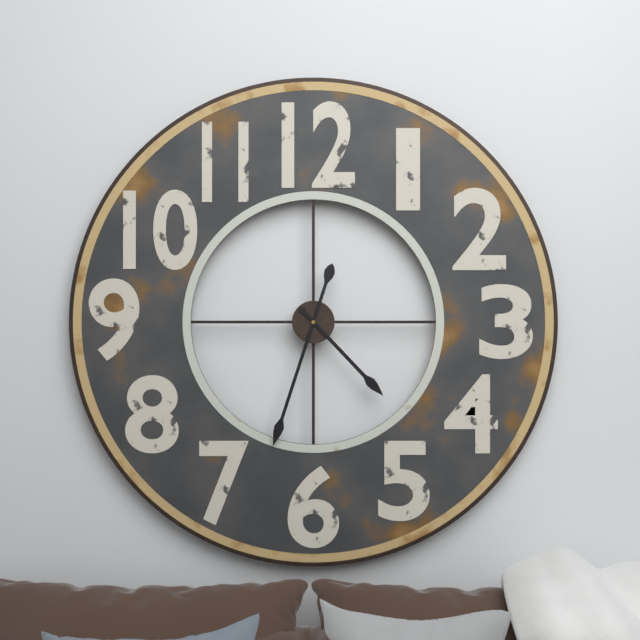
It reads 4 h 33 min
